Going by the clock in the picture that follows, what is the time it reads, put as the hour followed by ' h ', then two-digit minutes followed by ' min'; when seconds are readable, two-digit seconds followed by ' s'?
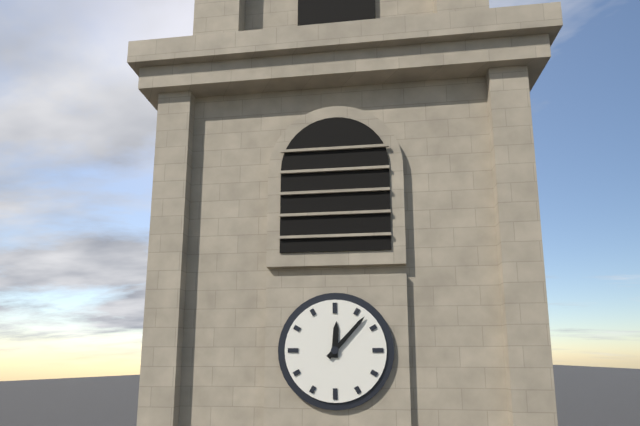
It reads 12 h 07 min
